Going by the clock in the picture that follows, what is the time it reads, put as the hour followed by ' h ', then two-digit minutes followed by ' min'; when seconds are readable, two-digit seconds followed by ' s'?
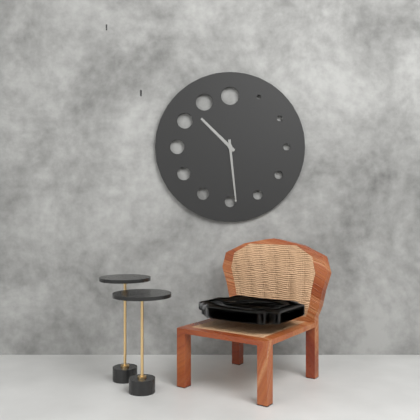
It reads 10 h 29 min
